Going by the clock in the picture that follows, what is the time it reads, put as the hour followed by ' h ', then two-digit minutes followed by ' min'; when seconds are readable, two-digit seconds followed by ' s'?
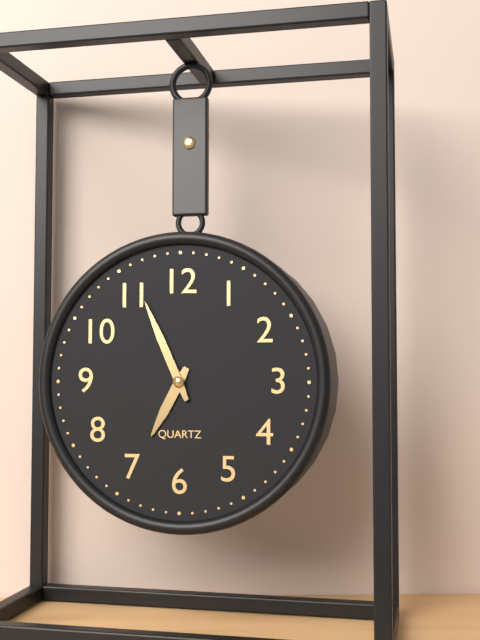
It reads 6 h 56 min
